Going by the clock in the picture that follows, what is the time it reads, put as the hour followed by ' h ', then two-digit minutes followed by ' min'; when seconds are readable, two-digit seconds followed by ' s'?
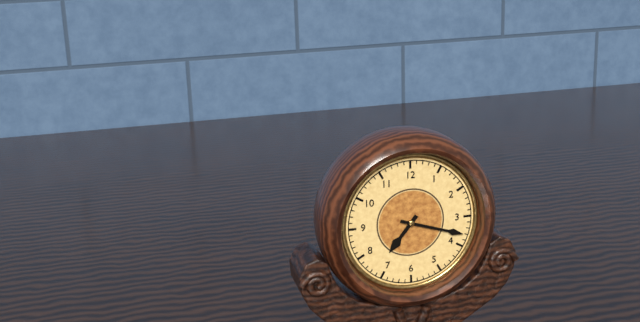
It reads 7 h 18 min
